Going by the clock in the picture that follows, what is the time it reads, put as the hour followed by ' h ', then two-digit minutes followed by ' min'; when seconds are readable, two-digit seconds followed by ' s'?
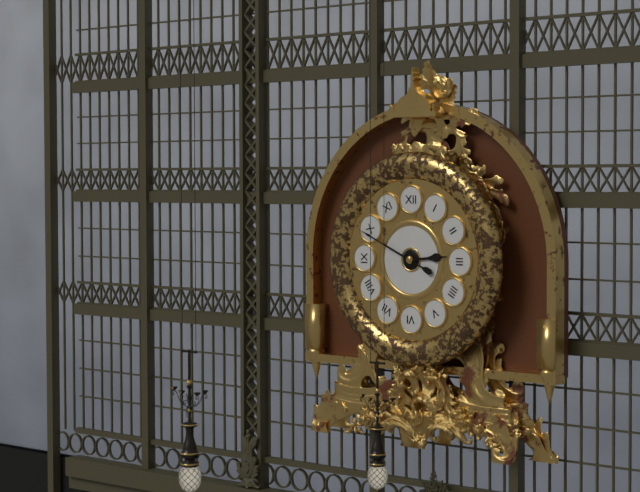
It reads 2 h 49 min
